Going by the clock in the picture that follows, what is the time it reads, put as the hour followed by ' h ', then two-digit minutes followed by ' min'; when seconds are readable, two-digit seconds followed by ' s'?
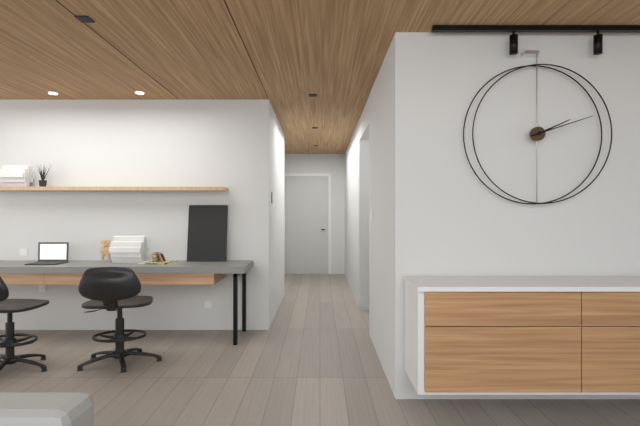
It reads 2 h 12 min
